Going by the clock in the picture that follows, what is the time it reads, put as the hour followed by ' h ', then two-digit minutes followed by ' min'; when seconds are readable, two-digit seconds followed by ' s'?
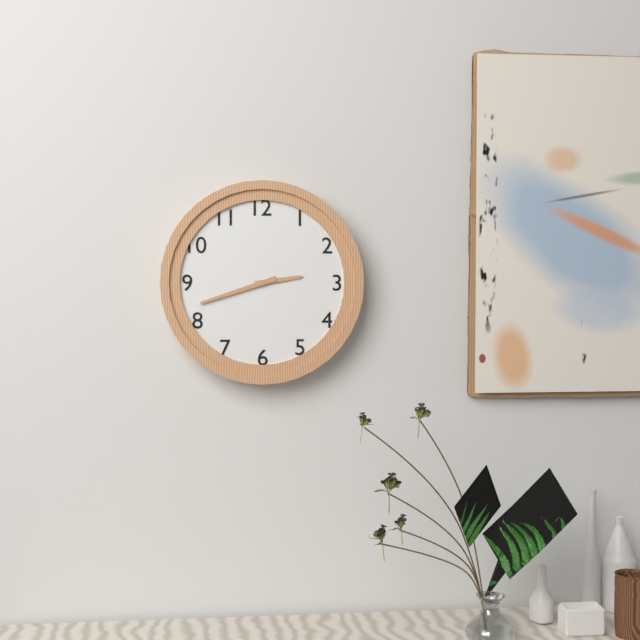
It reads 2 h 42 min
